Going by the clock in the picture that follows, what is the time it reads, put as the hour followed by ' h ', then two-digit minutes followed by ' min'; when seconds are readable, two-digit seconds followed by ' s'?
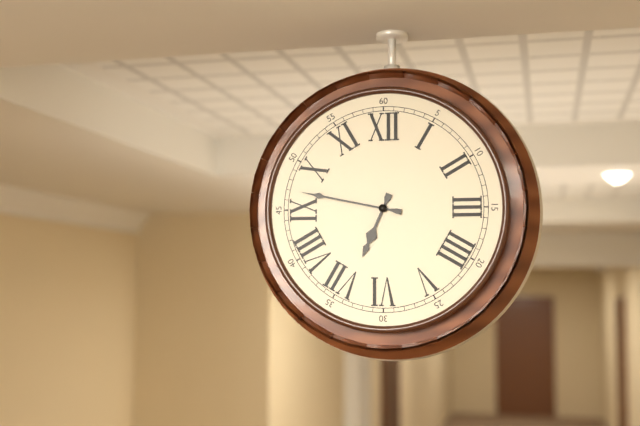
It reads 6 h 47 min
